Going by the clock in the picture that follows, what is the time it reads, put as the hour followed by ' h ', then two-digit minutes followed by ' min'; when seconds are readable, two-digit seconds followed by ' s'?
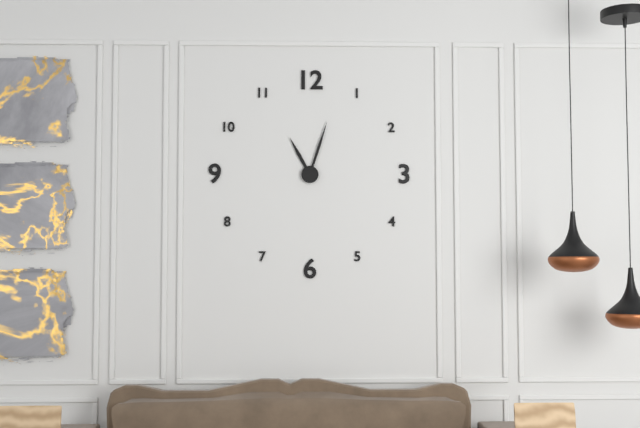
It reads 11 h 03 min
